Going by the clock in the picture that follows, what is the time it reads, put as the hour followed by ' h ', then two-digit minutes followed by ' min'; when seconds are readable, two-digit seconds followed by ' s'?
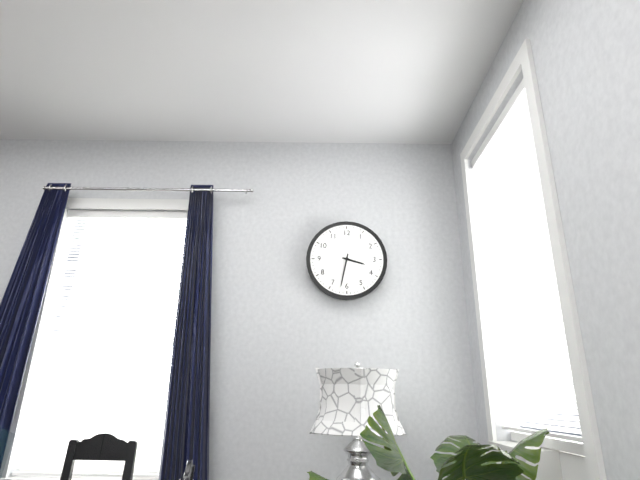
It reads 3 h 32 min
